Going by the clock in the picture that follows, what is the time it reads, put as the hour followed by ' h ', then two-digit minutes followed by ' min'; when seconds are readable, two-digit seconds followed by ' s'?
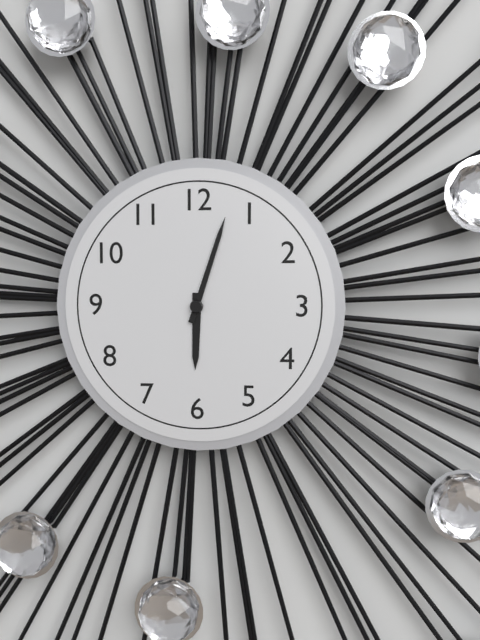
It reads 6 h 03 min
